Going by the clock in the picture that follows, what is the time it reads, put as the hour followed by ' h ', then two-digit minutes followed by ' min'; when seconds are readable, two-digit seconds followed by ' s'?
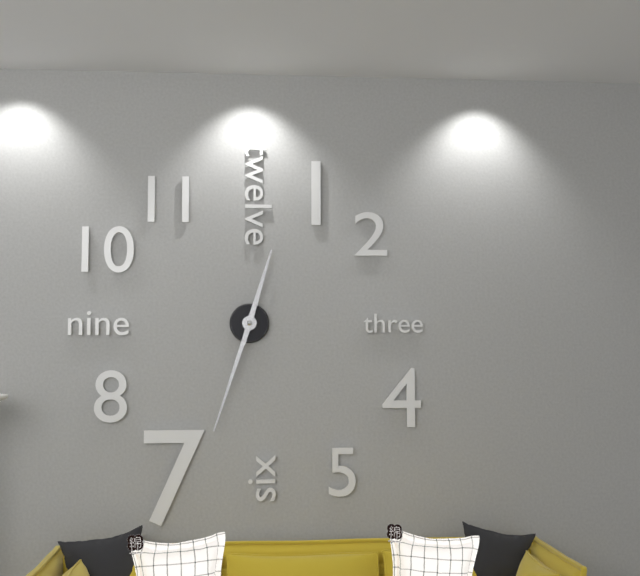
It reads 12 h 33 min
